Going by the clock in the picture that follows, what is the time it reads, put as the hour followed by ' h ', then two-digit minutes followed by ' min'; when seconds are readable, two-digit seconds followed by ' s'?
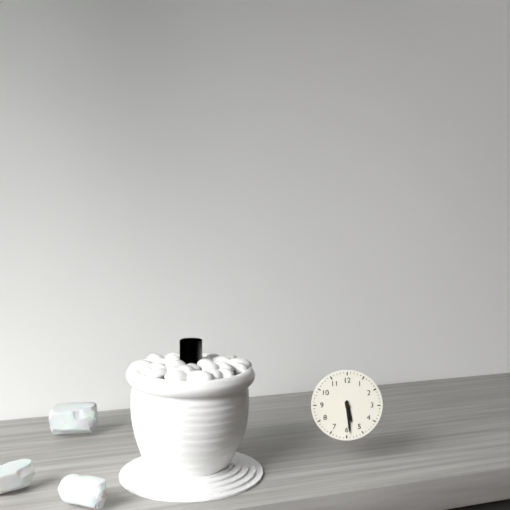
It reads 5 h 29 min
